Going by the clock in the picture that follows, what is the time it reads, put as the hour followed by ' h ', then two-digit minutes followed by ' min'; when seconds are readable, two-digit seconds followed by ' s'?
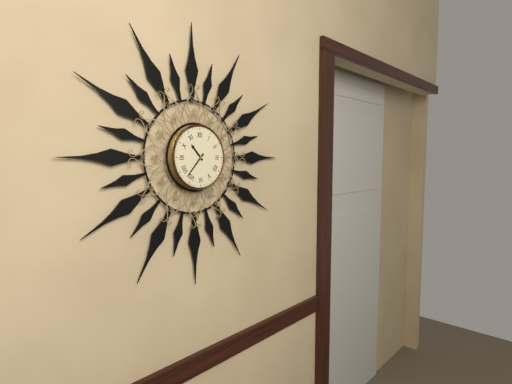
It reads 10 h 37 min
